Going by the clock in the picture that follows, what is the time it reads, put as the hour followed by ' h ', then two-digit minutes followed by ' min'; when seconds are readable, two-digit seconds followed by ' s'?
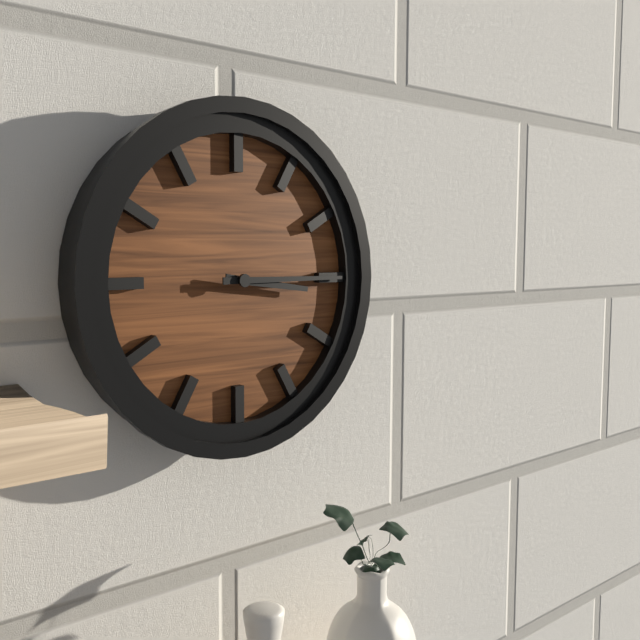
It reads 3 h 15 min
